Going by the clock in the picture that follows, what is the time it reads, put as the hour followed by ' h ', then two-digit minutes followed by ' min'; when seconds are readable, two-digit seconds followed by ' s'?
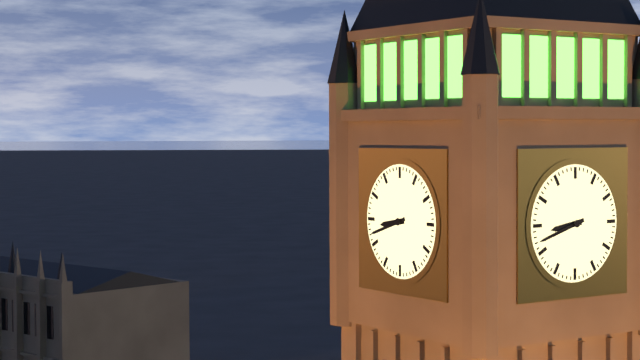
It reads 8 h 42 min
